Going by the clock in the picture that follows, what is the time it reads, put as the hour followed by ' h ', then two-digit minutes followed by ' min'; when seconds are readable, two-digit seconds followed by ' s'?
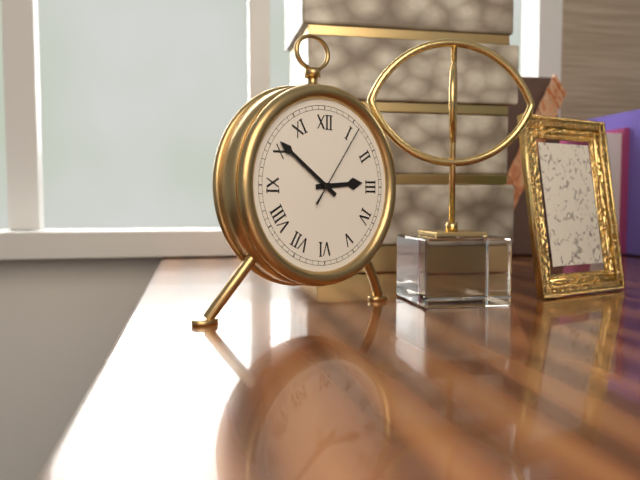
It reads 2 h 51 min 06 s
